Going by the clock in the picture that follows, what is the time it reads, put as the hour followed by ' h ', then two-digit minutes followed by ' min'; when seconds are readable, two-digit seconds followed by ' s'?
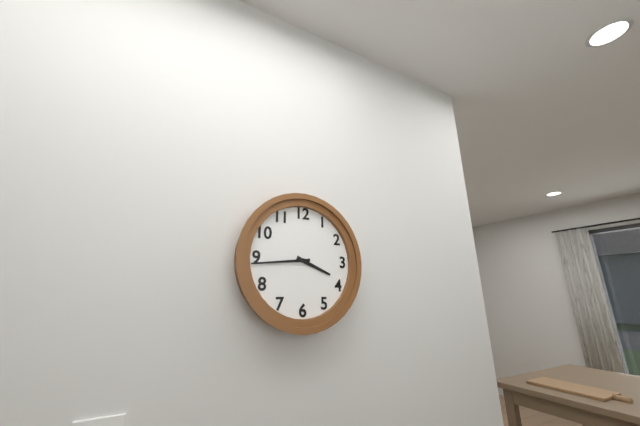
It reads 3 h 44 min
